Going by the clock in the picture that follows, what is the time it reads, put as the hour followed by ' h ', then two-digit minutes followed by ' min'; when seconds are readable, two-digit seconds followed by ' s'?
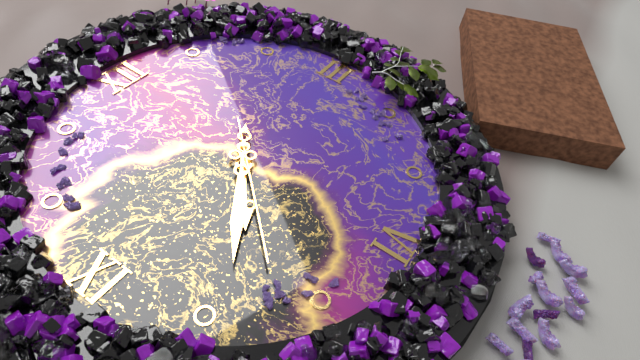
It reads 7 h 39 min 37 s
